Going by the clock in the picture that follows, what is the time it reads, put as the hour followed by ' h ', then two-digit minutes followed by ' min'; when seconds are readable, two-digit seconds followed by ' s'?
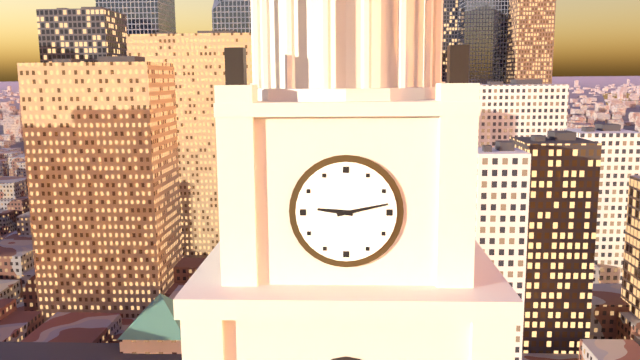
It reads 9 h 13 min
